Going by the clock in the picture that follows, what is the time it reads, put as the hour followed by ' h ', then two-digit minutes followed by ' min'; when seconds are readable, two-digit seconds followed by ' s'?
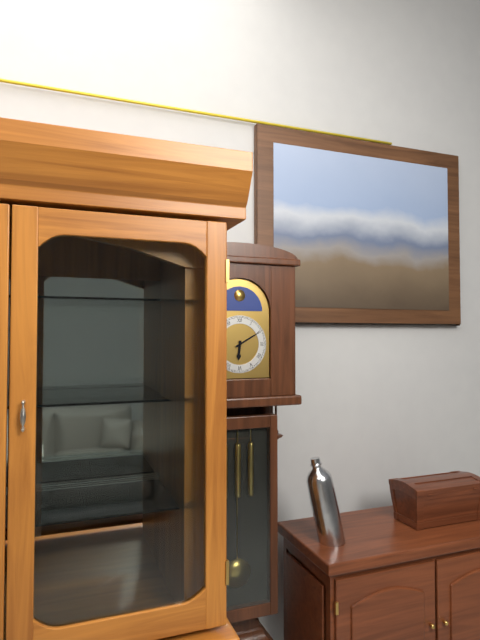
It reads 6 h 10 min
